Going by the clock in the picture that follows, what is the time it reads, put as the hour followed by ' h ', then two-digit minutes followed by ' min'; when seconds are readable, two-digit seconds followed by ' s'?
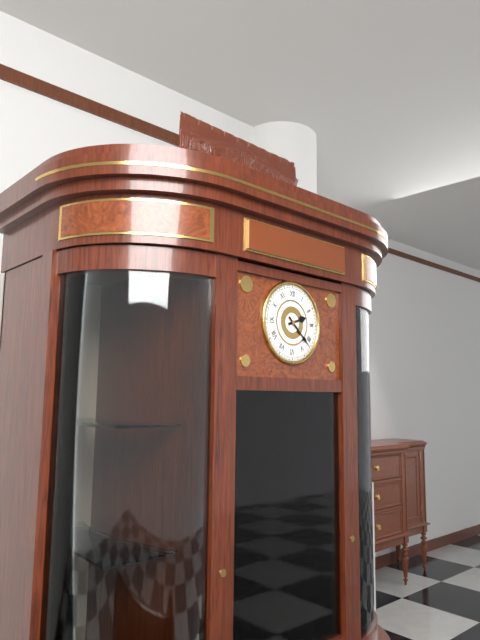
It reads 2 h 22 min
